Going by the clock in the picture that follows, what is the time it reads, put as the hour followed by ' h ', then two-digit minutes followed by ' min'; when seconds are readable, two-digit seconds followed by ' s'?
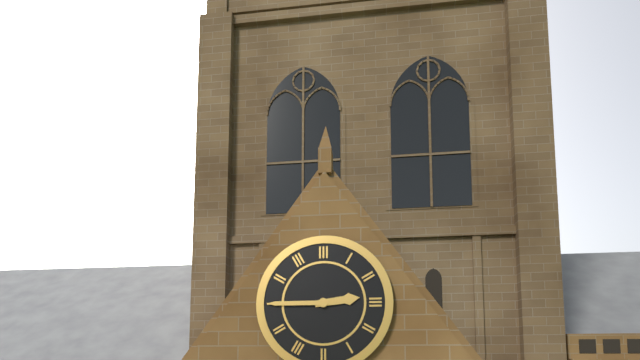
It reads 2 h 45 min
